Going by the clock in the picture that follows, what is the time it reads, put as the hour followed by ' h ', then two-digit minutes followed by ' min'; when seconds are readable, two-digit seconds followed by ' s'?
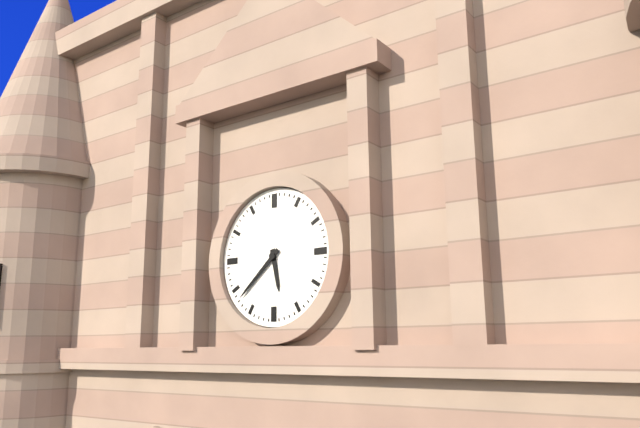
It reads 5 h 38 min
